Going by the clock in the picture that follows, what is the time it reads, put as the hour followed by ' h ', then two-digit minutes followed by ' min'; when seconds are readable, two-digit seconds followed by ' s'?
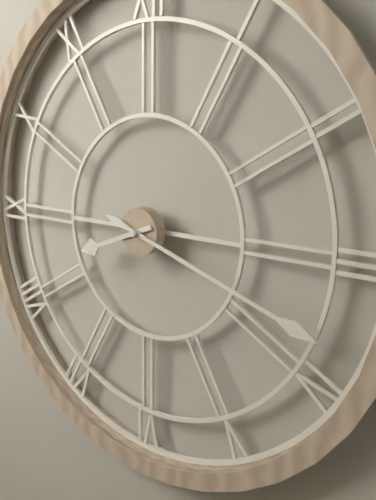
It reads 8 h 18 min
